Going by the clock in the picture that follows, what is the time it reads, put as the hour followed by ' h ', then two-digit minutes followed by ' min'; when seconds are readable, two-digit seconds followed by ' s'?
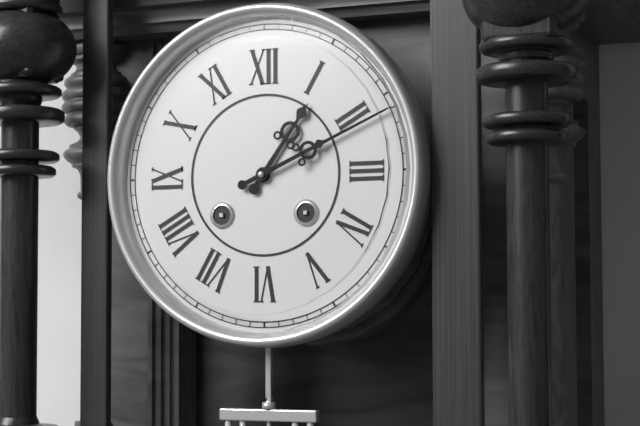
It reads 1 h 11 min
